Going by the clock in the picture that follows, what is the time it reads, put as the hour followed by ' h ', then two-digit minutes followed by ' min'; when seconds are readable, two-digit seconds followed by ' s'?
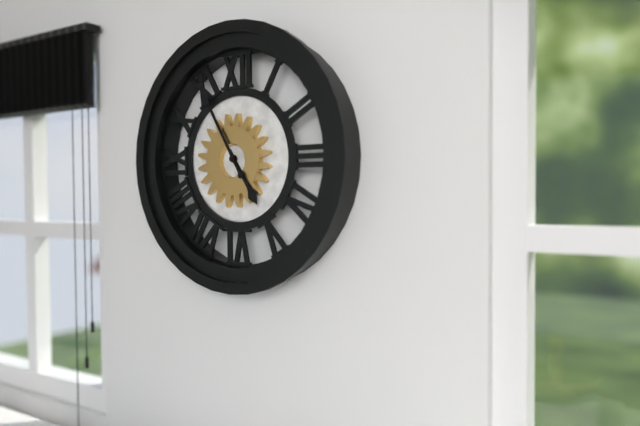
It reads 4 h 55 min
